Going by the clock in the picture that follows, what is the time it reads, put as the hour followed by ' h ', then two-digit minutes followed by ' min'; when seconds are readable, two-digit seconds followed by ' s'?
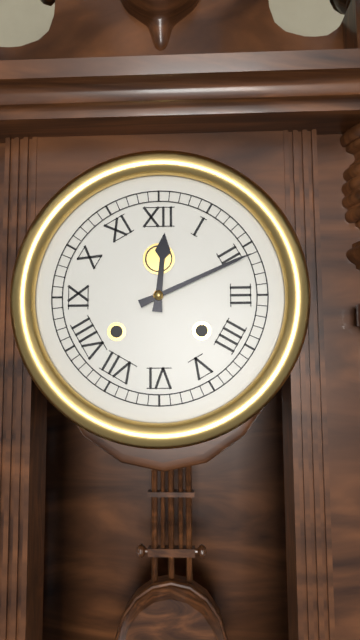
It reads 12 h 11 min
